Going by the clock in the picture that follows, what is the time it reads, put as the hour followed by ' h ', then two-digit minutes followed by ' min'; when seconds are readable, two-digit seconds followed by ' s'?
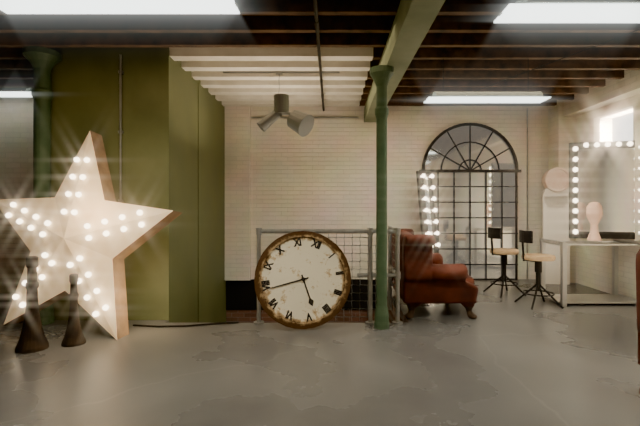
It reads 4 h 39 min
